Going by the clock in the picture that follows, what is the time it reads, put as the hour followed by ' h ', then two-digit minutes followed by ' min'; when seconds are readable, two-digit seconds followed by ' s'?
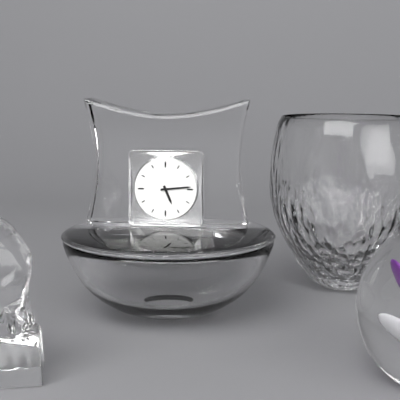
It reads 5 h 14 min
